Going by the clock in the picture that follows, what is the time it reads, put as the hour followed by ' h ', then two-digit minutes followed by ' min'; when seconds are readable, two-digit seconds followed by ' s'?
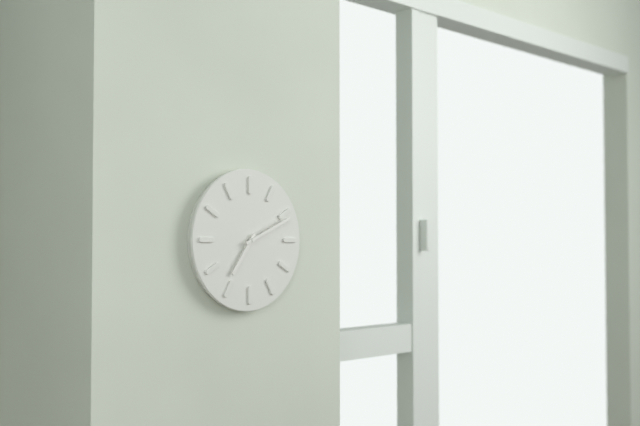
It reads 7 h 11 min
